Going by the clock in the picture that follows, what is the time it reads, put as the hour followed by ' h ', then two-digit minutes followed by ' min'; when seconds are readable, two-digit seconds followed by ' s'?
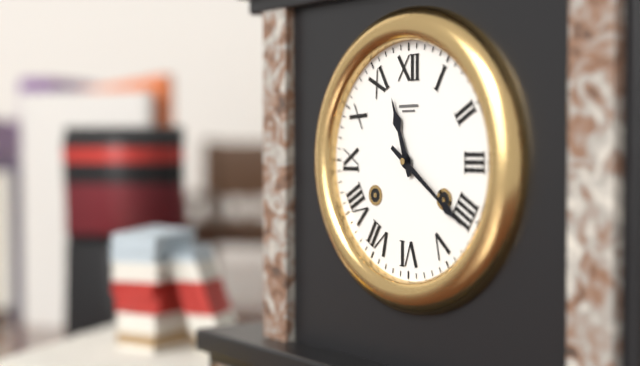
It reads 11 h 21 min
